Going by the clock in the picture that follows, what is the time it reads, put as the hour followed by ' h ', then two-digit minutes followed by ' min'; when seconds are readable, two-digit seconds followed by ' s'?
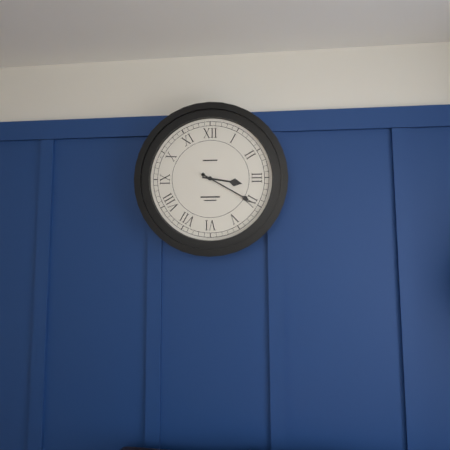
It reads 3 h 20 min
